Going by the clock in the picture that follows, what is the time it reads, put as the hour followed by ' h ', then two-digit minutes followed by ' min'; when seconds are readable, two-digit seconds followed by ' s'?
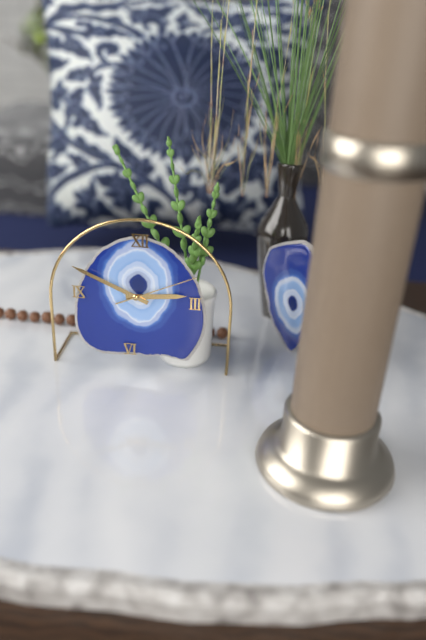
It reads 2 h 49 min 11 s
